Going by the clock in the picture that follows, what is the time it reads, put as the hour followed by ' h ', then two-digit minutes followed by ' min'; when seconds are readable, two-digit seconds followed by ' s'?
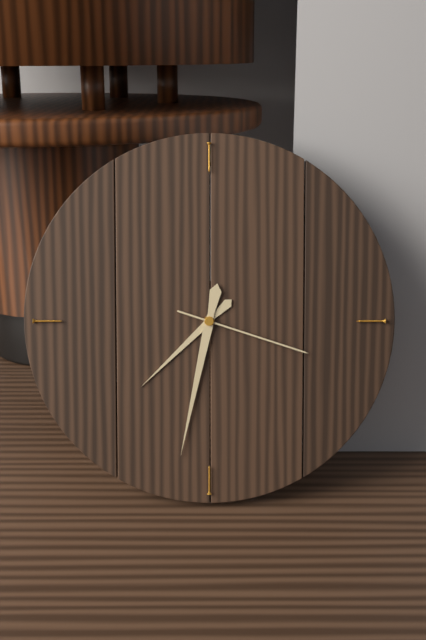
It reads 7 h 32 min 18 s
